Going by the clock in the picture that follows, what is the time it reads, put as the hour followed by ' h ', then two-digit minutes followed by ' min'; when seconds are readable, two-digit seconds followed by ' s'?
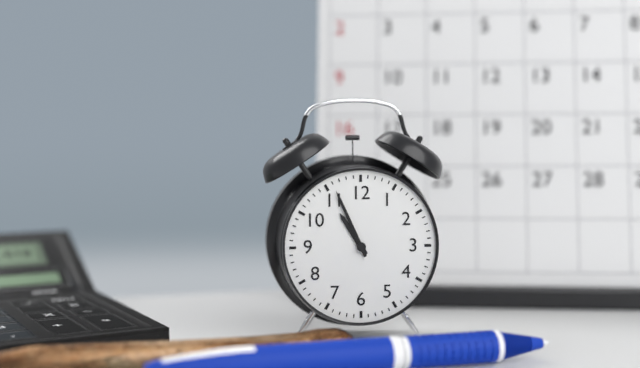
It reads 10 h 56 min
